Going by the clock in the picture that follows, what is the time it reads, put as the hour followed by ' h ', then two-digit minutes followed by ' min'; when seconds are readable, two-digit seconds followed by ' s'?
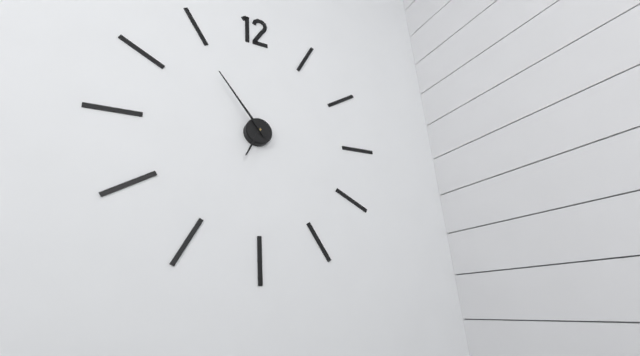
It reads 6 h 54 min
